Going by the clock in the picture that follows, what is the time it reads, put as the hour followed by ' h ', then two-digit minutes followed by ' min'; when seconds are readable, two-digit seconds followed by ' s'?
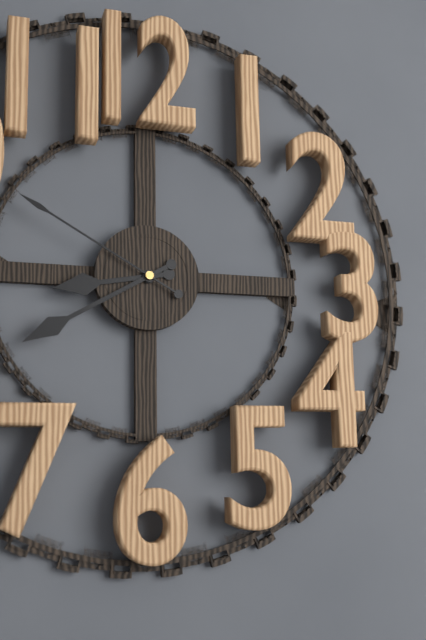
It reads 8 h 40 min 50 s
